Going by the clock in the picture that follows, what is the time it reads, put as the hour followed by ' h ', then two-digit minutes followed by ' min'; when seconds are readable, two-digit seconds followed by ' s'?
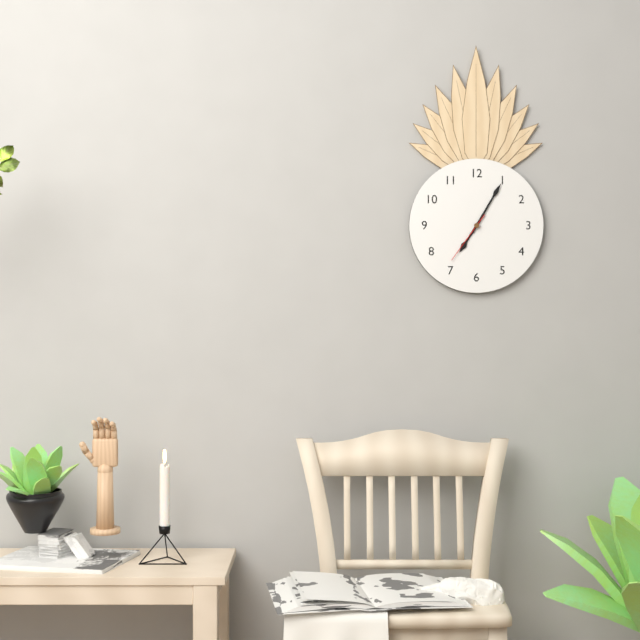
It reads 7 h 05 min 36 s
